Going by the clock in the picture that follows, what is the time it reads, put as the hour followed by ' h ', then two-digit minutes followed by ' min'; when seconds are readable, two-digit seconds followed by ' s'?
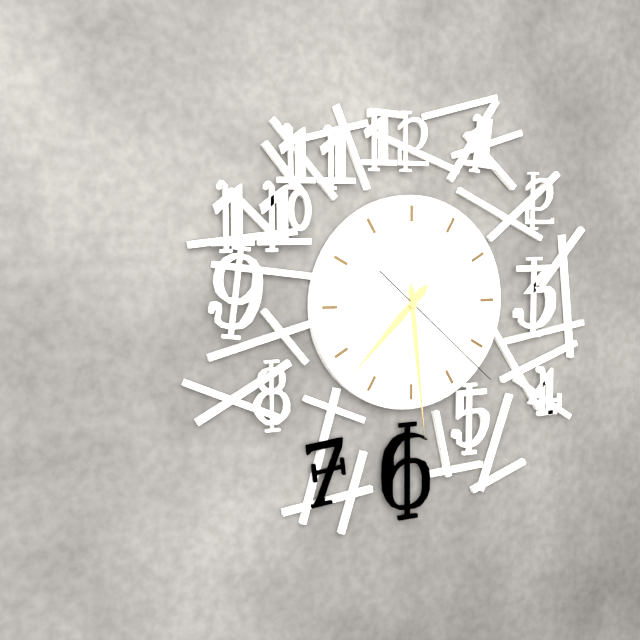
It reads 7 h 29 min 22 s
